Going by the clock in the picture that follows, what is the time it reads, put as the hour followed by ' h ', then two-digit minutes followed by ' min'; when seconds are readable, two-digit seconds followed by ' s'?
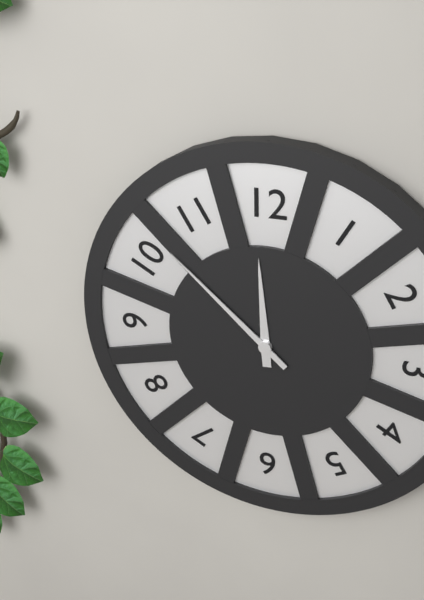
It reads 11 h 52 min
